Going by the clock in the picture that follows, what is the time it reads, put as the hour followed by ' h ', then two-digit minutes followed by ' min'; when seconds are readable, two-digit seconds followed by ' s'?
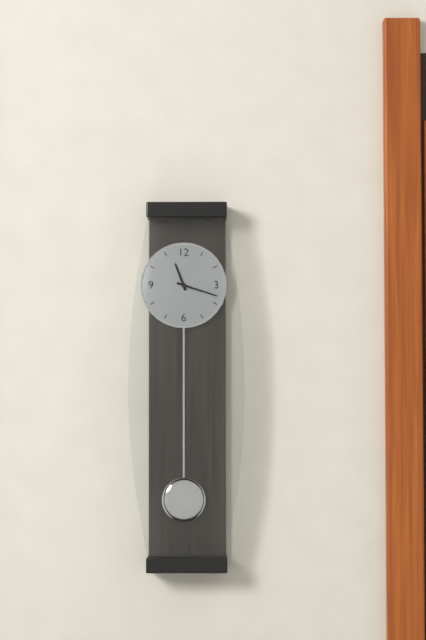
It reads 11 h 18 min
